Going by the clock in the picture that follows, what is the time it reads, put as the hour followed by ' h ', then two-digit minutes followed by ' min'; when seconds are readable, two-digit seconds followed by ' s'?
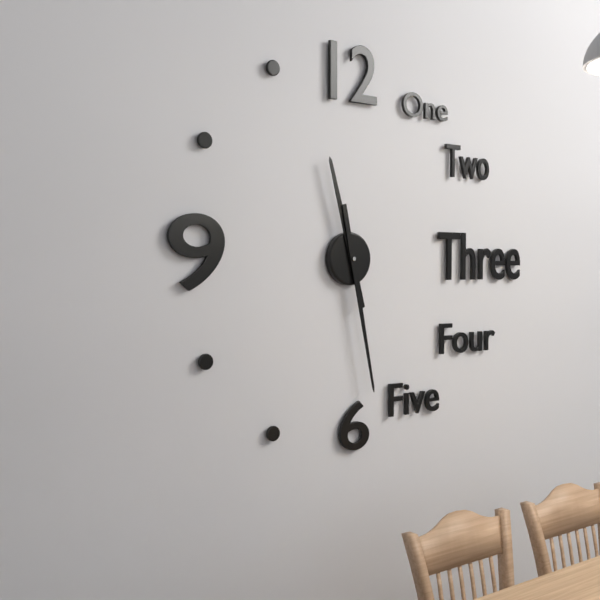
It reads 11 h 28 min
